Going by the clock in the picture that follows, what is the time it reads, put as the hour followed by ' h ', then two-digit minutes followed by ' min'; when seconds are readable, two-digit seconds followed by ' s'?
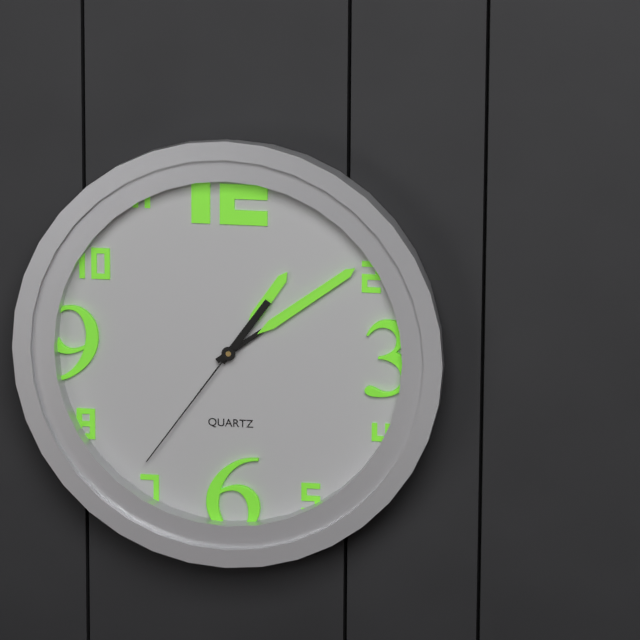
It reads 1 h 09 min 36 s
